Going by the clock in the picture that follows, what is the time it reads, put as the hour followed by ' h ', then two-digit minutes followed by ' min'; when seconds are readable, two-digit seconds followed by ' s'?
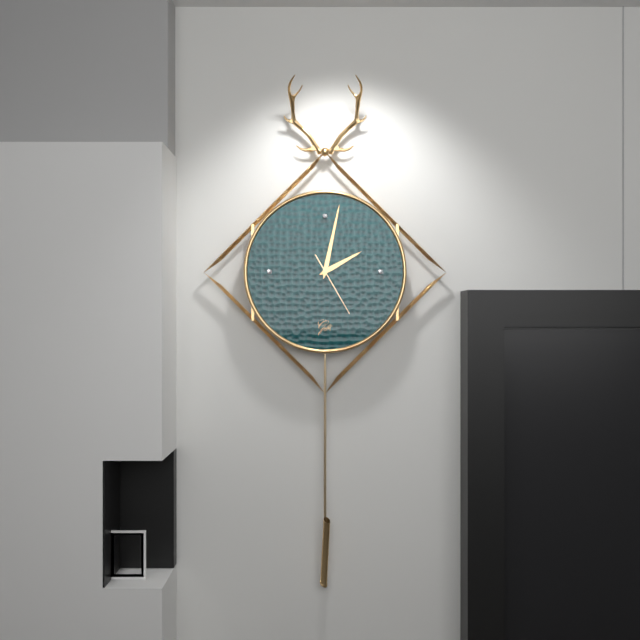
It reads 2 h 02 min 25 s
